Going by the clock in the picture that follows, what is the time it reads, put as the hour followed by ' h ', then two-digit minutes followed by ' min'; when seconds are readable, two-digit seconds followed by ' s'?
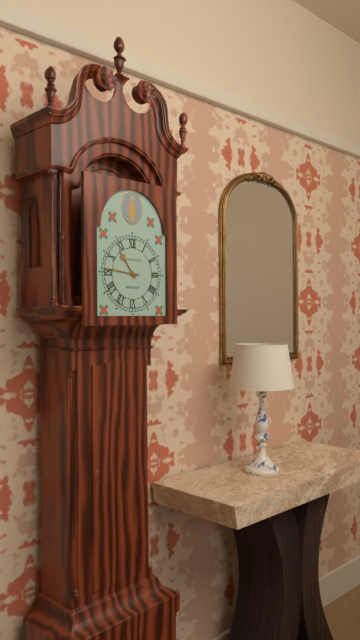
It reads 10 h 46 min
